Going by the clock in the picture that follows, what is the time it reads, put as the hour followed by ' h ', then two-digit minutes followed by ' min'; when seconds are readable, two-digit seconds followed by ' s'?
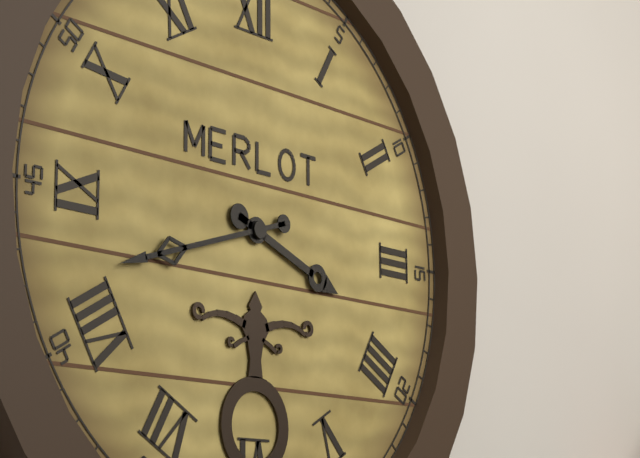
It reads 3 h 42 min
